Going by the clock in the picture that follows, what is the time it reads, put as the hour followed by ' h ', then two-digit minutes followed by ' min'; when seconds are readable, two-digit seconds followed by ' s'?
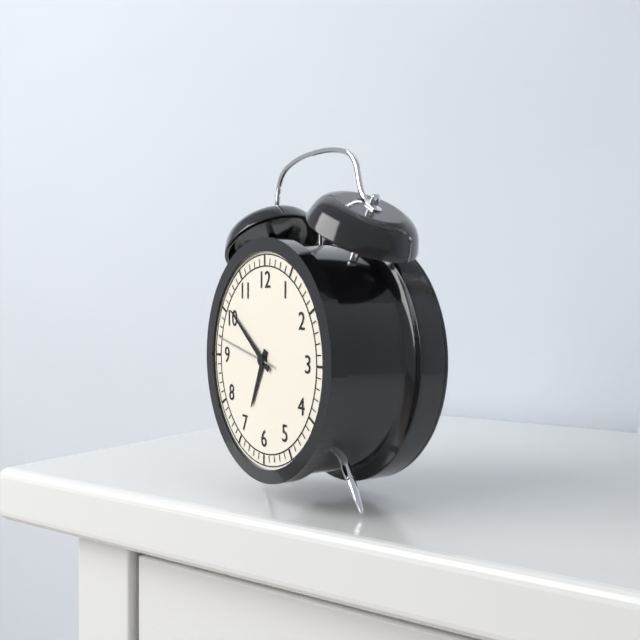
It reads 6 h 51 min 47 s
